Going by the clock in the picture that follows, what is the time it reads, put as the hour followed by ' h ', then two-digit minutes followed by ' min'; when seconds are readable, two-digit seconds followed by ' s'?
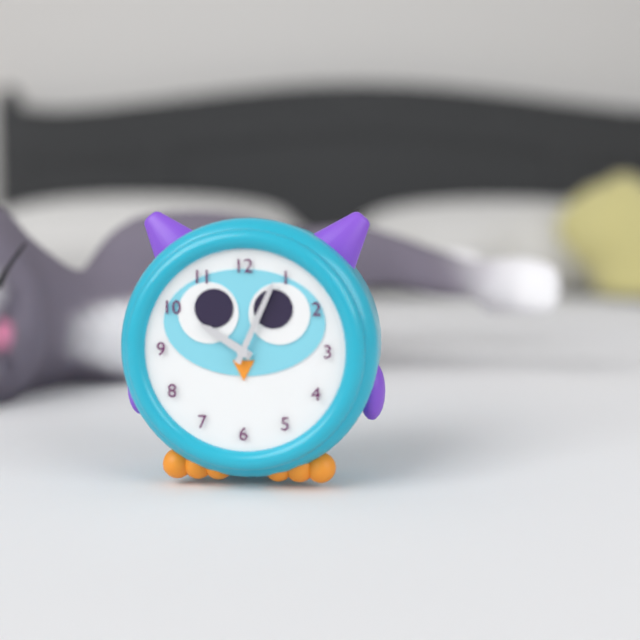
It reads 10 h 04 min
